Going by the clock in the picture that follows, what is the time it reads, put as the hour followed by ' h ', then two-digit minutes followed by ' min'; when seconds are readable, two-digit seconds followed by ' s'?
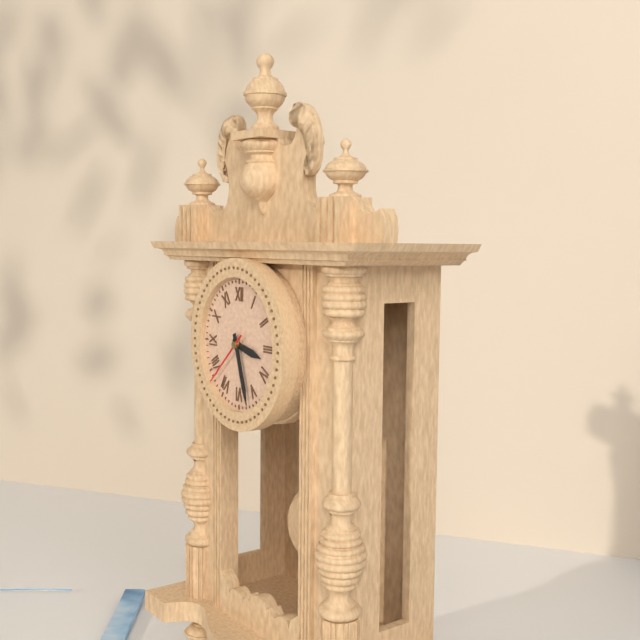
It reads 3 h 27 min 38 s
